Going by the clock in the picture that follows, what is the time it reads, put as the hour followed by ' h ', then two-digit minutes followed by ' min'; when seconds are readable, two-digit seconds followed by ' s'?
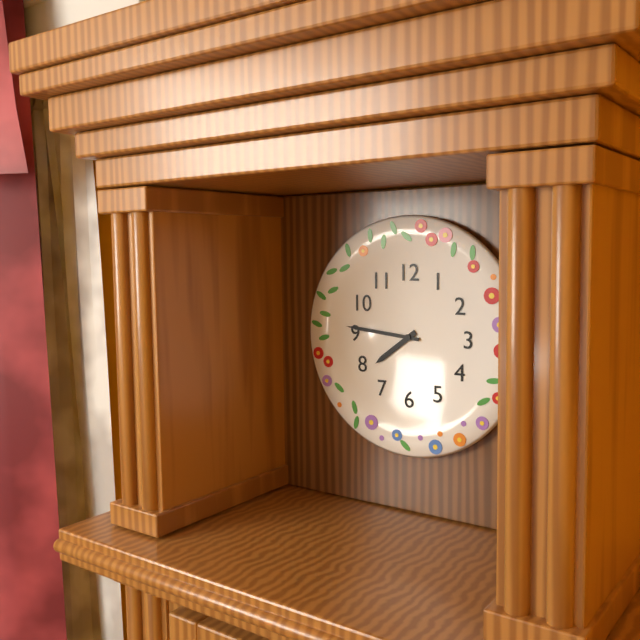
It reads 7 h 46 min
